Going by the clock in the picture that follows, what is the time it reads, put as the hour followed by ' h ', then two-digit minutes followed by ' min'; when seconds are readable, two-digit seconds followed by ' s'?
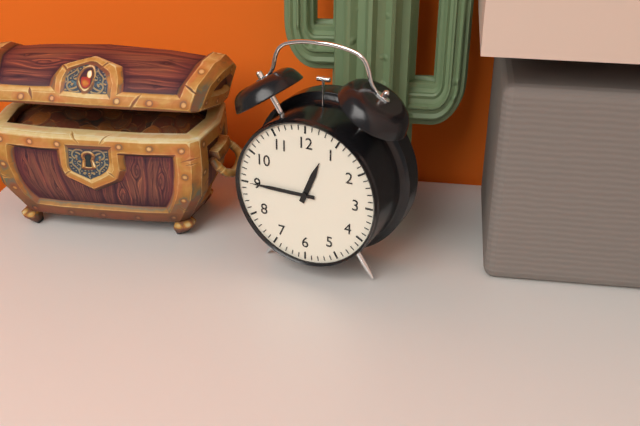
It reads 12 h 45 min
